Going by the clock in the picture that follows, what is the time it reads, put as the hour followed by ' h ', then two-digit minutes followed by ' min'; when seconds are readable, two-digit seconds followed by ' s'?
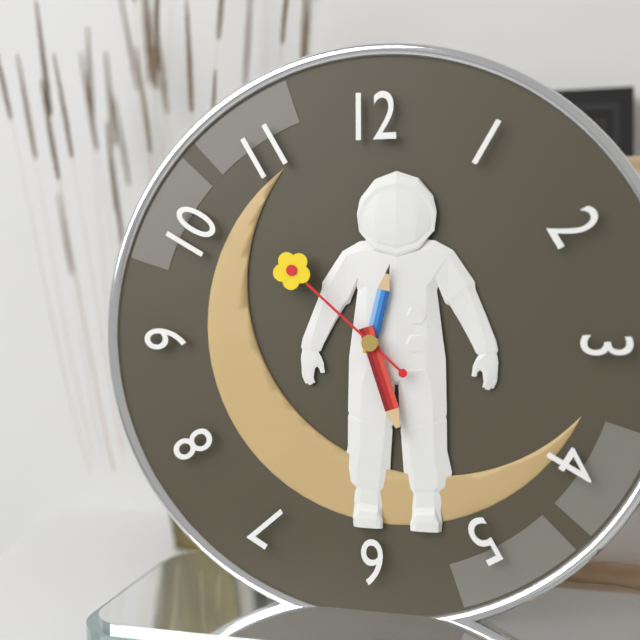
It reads 12 h 27 min 52 s
